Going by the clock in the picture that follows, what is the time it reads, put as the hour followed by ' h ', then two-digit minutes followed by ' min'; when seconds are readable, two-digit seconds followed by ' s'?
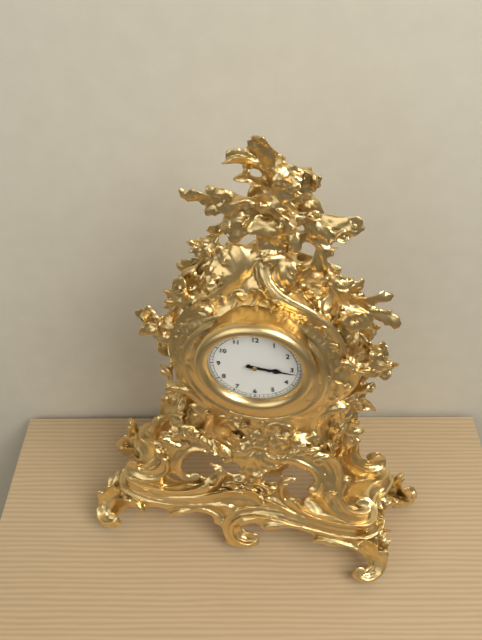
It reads 3 h 16 min
